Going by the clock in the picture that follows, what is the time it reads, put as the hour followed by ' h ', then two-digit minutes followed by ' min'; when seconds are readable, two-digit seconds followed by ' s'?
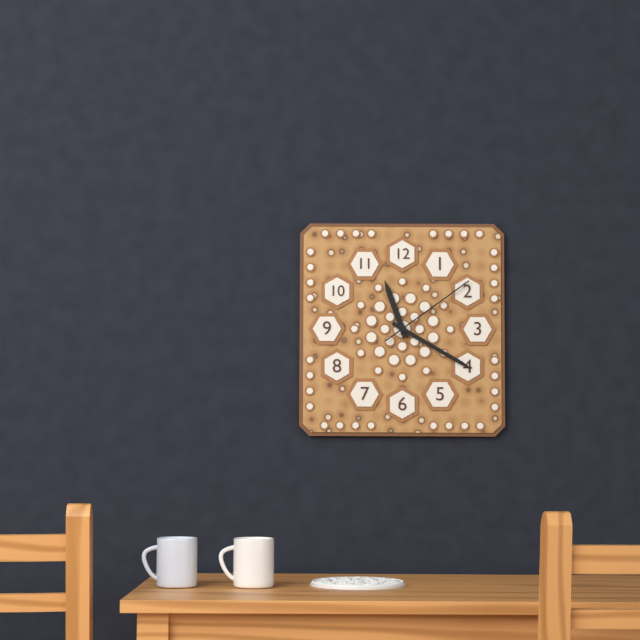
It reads 11 h 20 min 09 s
